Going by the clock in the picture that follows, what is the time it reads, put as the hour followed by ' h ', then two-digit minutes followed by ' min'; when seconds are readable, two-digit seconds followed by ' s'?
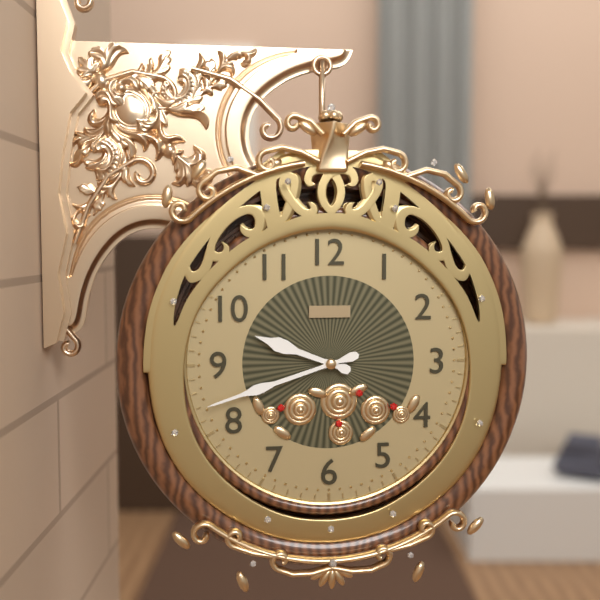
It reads 9 h 42 min
